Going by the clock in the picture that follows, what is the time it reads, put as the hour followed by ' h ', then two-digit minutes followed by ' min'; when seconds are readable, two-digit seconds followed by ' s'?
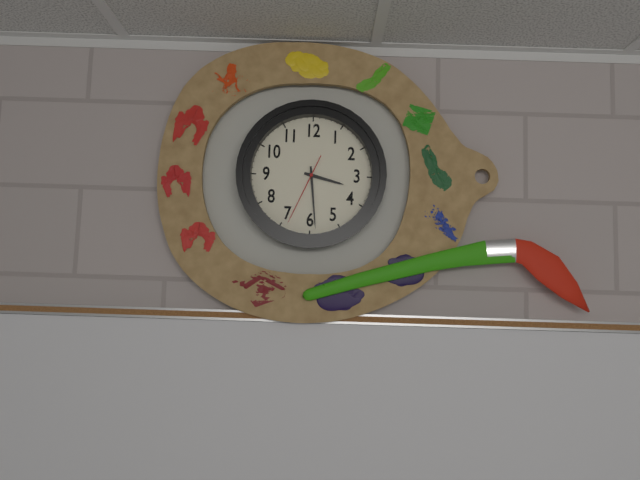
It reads 3 h 29 min 34 s
